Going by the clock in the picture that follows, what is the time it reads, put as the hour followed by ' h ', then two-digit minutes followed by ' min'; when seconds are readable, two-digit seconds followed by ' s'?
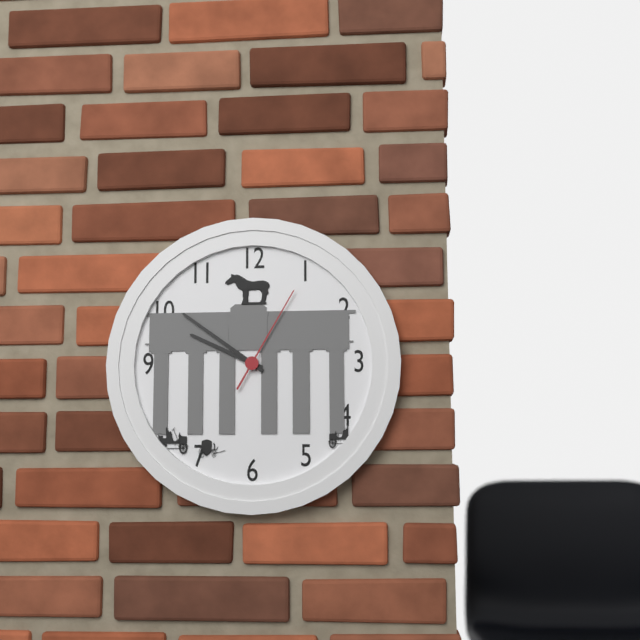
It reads 9 h 51 min 05 s
